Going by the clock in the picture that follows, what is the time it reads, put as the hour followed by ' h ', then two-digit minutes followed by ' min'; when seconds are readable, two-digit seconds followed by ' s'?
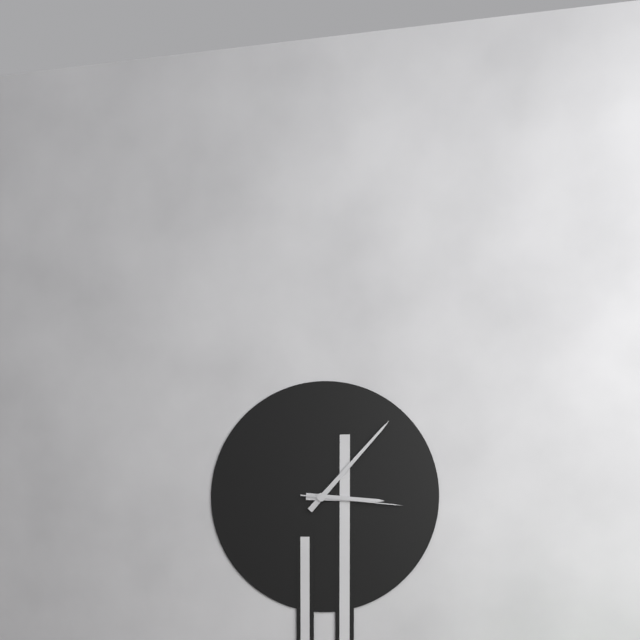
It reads 3 h 07 min 16 s
